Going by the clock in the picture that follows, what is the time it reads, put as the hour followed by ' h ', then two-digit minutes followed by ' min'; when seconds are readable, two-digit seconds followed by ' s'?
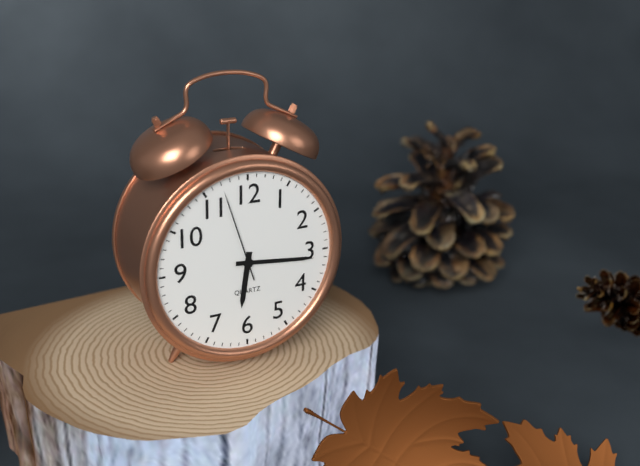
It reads 6 h 16 min 57 s
